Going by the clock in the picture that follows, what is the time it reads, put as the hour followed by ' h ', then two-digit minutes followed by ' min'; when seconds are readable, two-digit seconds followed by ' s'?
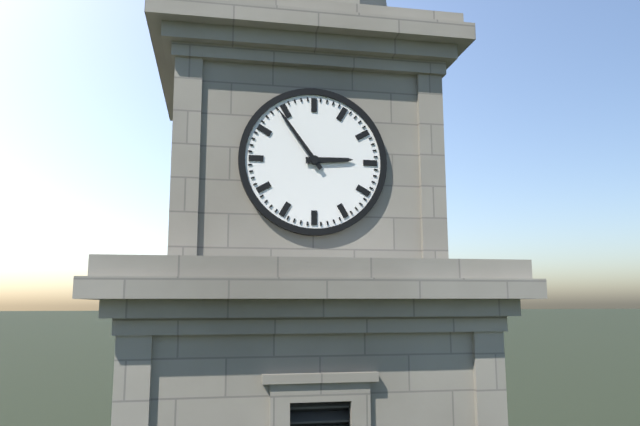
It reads 2 h 54 min
